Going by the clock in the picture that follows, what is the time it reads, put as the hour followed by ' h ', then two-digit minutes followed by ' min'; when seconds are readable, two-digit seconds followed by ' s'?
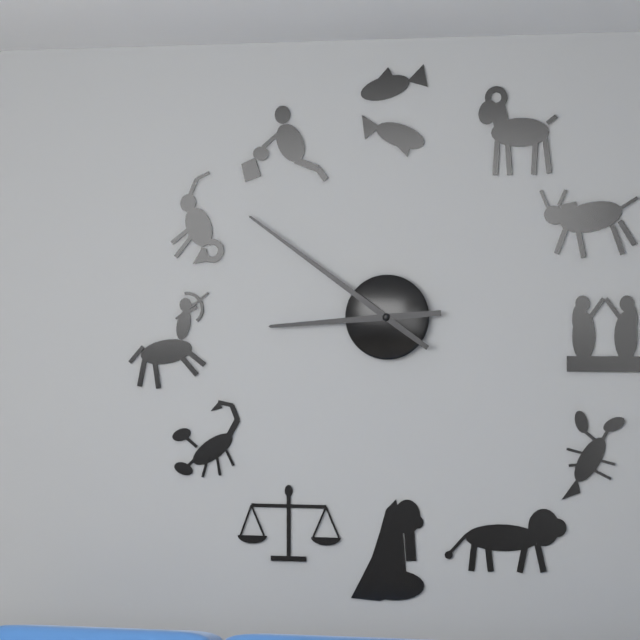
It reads 8 h 51 min
